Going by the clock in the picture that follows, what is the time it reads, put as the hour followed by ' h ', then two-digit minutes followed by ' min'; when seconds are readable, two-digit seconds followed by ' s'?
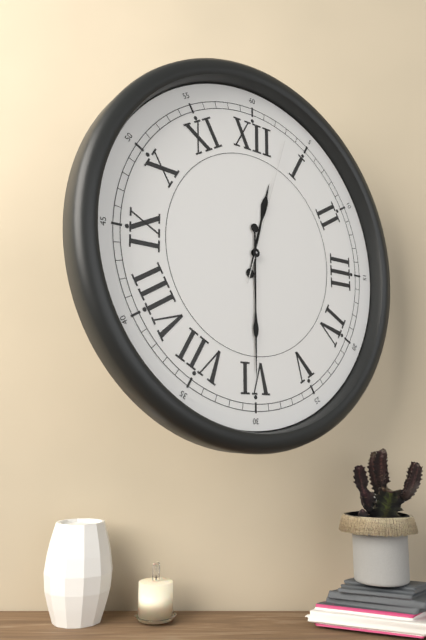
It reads 12 h 30 min 03 s
